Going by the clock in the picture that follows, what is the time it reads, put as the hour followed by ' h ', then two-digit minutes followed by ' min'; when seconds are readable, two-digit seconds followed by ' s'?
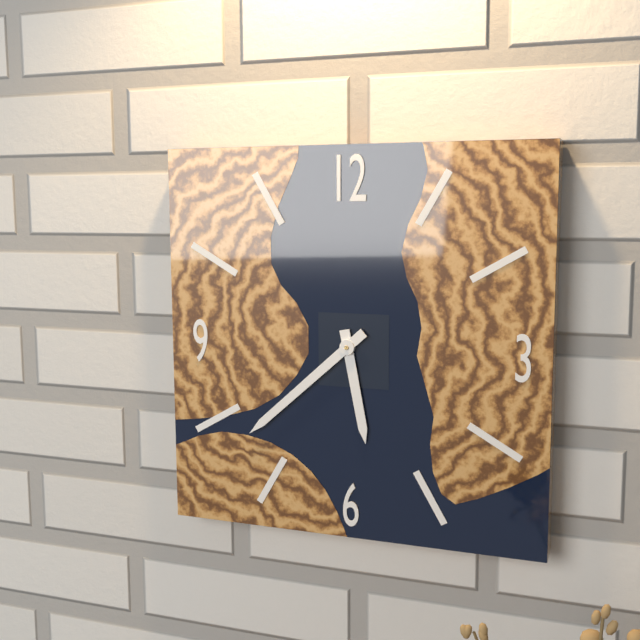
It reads 5 h 38 min
